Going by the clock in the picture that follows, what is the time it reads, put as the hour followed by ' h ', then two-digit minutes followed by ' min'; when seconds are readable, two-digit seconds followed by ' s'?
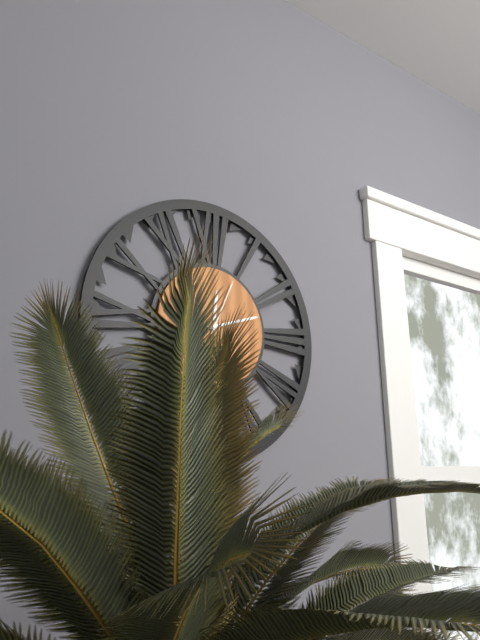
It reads 12 h 12 min 04 s
